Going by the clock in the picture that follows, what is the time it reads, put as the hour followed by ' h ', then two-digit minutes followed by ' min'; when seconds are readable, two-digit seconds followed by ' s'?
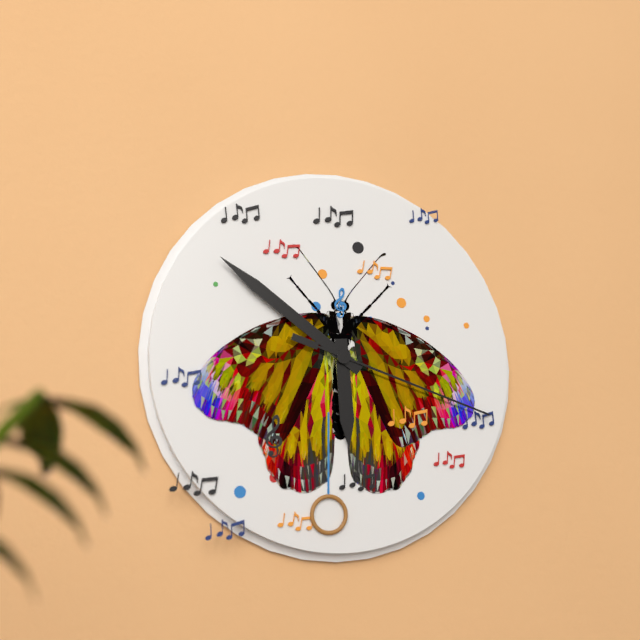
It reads 5 h 51 min 18 s
